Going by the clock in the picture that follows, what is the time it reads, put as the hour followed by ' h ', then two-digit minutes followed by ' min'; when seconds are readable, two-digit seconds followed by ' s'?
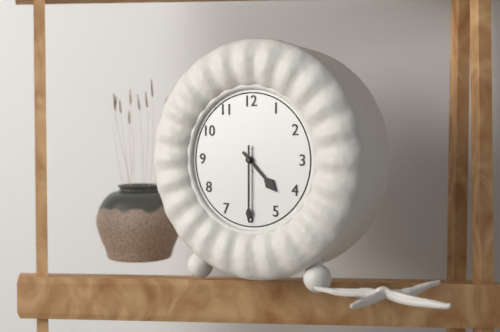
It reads 4 h 30 min
